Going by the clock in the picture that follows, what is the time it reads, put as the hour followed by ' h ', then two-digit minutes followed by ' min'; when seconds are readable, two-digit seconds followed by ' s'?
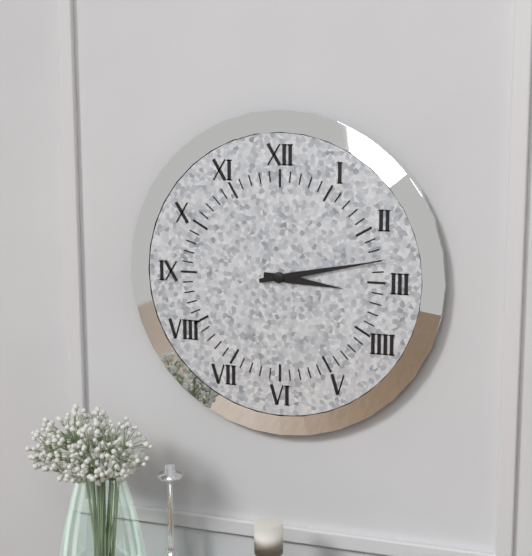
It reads 3 h 13 min
